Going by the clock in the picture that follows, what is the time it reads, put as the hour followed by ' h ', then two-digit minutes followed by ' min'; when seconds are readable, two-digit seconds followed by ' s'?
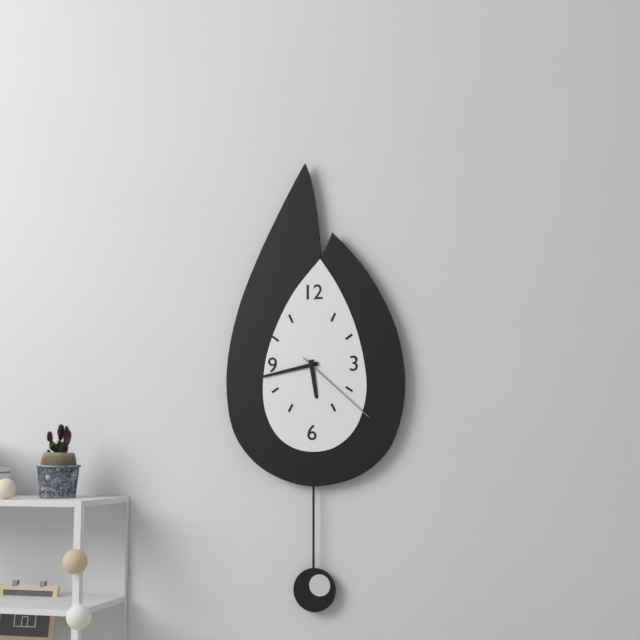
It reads 5 h 43 min 22 s
